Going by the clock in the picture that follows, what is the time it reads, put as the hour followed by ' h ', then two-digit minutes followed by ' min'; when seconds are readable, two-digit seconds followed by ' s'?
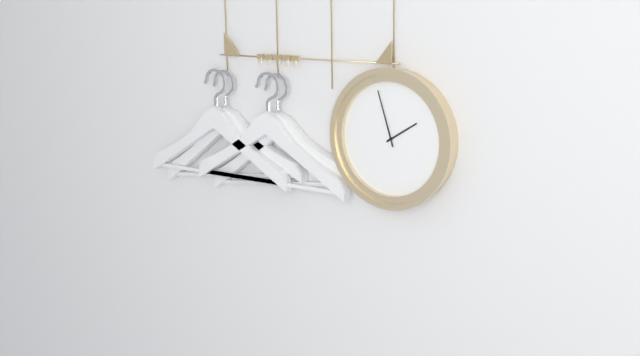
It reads 1 h 57 min
